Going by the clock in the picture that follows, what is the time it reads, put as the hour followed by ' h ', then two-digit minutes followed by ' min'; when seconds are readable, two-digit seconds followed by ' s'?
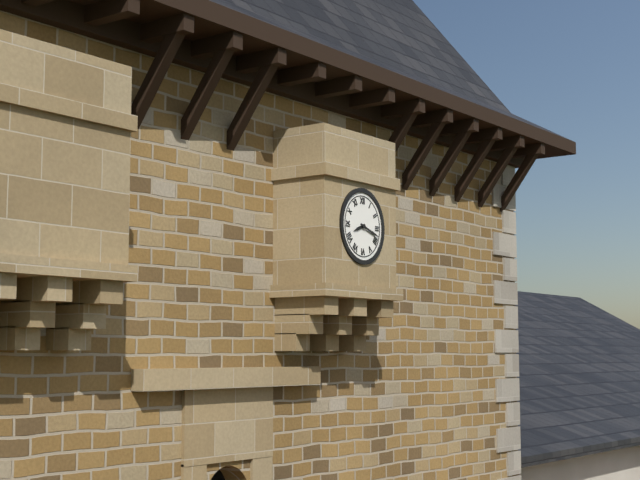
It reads 8 h 18 min
